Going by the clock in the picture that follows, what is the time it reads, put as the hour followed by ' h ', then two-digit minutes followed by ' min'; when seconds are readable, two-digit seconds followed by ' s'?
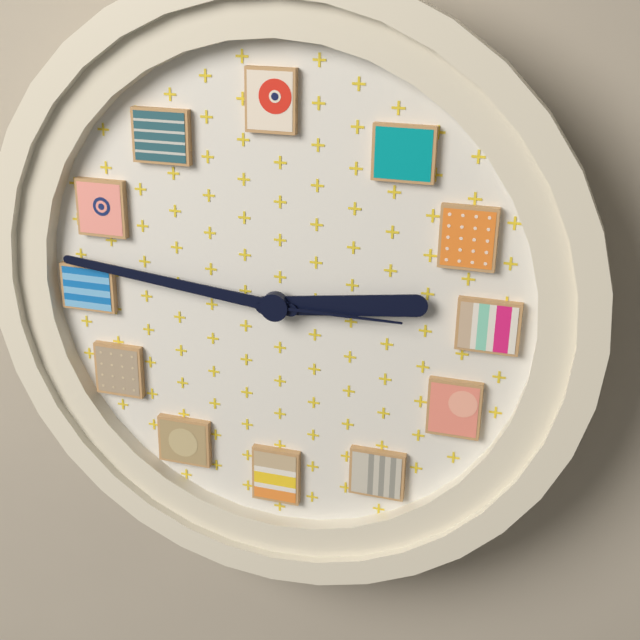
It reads 2 h 46 min 15 s
